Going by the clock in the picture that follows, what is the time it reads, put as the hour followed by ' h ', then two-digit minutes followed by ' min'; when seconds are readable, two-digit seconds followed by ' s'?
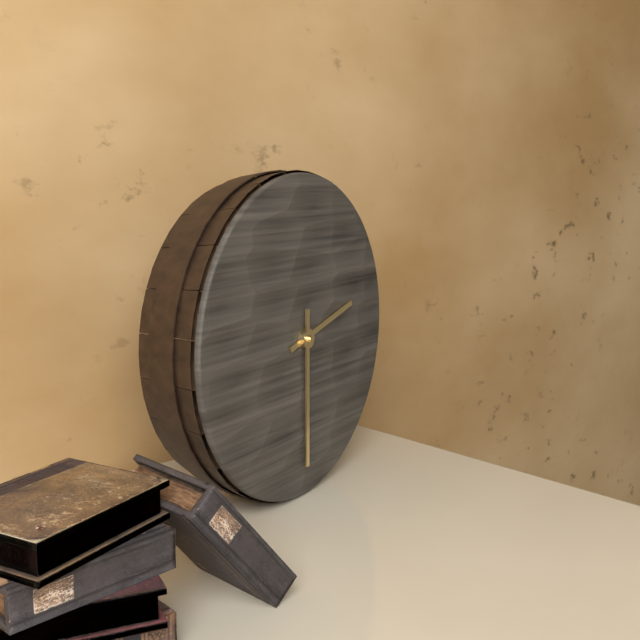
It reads 2 h 30 min
